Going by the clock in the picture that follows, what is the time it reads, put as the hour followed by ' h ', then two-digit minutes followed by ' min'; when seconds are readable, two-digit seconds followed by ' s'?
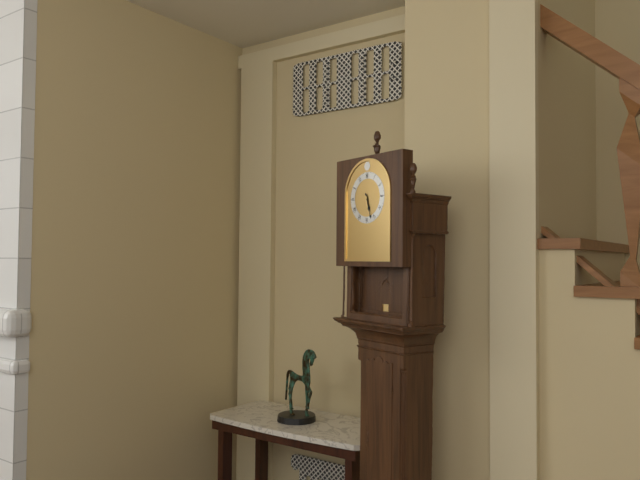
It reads 5 h 27 min
